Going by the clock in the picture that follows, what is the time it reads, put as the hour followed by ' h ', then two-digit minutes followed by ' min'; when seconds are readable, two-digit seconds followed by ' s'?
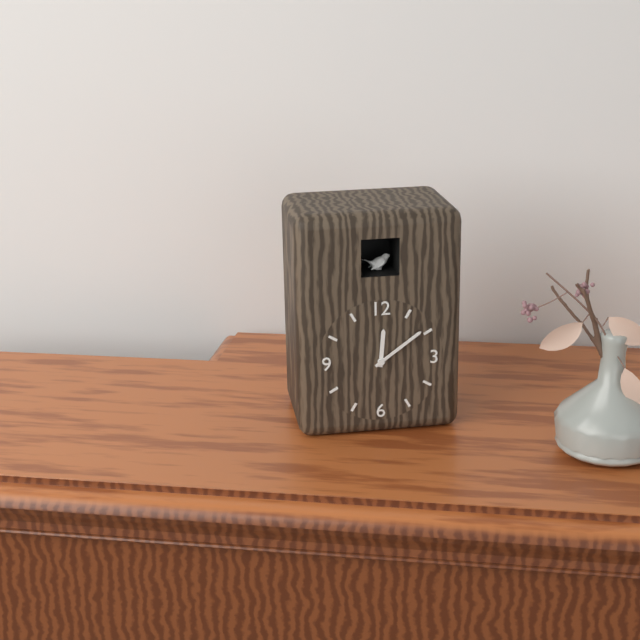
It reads 12 h 09 min
